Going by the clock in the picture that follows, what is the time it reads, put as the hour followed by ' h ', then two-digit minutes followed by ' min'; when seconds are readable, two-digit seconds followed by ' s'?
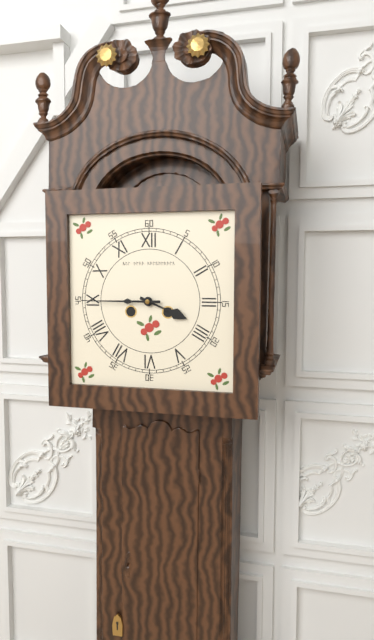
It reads 3 h 45 min
